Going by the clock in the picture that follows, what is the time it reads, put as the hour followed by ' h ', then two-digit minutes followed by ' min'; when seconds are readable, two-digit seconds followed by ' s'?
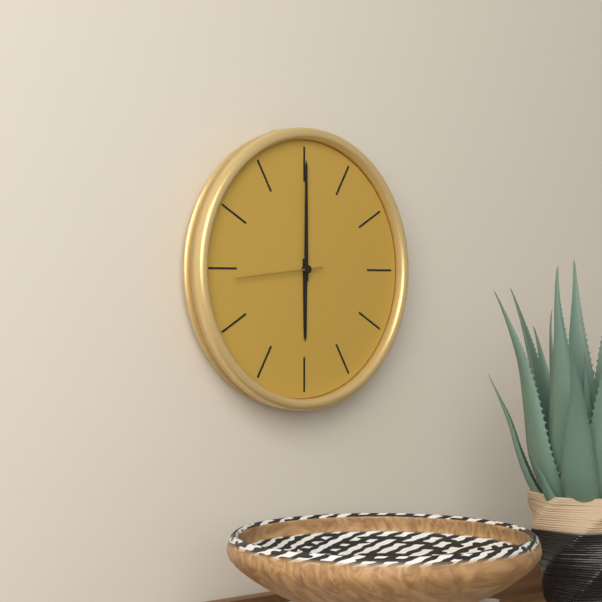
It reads 6 h 00 min 44 s
